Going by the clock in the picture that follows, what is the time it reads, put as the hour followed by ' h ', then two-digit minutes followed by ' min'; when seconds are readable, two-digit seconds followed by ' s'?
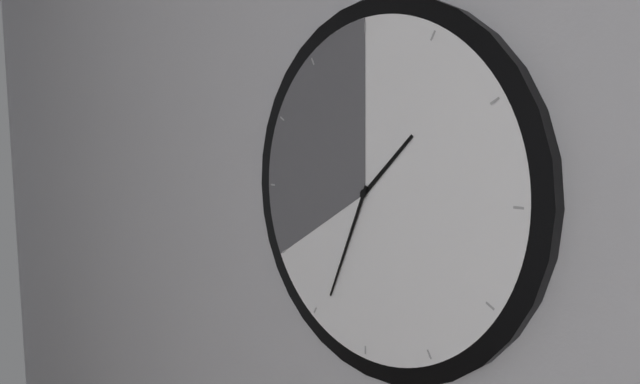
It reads 1 h 34 min
